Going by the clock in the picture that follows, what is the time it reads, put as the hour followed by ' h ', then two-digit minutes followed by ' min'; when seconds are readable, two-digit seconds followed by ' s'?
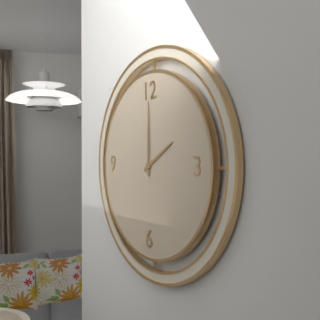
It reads 2 h 00 min
